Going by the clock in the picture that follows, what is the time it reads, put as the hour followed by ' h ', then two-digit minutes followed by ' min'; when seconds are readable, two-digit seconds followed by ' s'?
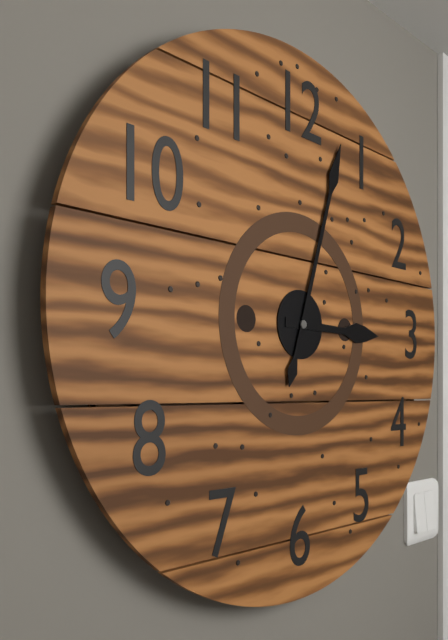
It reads 3 h 03 min
